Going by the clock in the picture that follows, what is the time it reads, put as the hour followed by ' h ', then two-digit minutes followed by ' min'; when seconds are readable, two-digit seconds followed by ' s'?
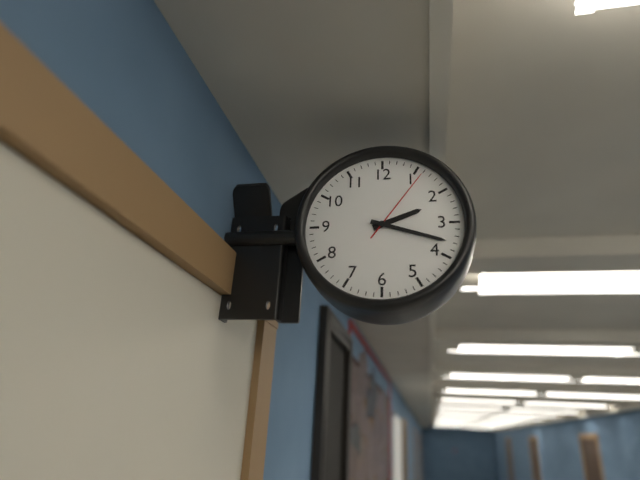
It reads 2 h 18 min 06 s
